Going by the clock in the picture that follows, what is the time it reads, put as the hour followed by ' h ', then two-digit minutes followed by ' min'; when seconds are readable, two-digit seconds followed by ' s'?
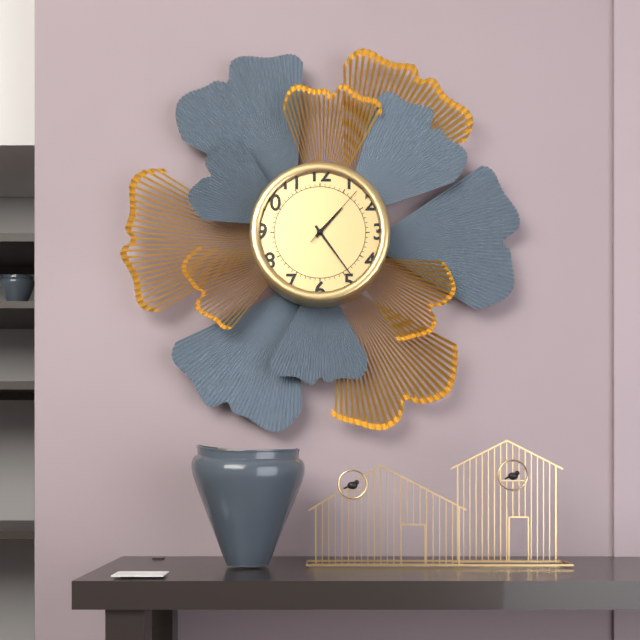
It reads 1 h 24 min 07 s
